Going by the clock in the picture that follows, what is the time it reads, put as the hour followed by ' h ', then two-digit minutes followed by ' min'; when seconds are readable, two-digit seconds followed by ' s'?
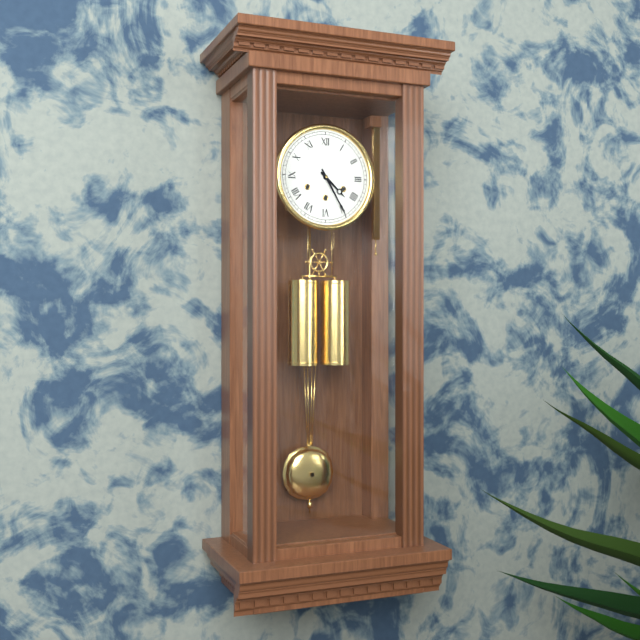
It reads 4 h 25 min
